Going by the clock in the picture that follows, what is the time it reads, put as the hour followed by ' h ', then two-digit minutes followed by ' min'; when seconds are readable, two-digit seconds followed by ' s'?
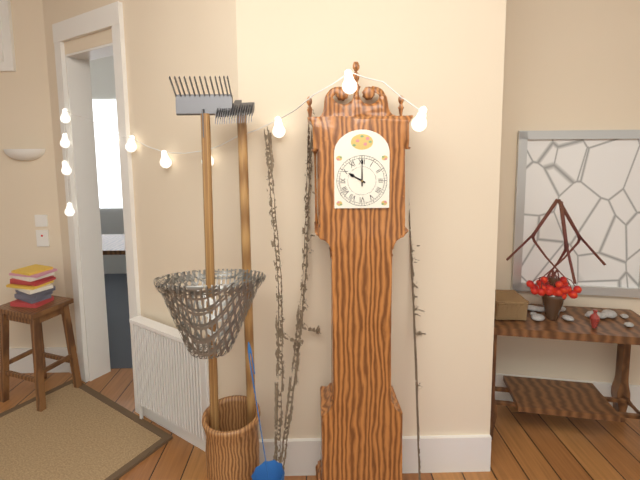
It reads 10 h 00 min
